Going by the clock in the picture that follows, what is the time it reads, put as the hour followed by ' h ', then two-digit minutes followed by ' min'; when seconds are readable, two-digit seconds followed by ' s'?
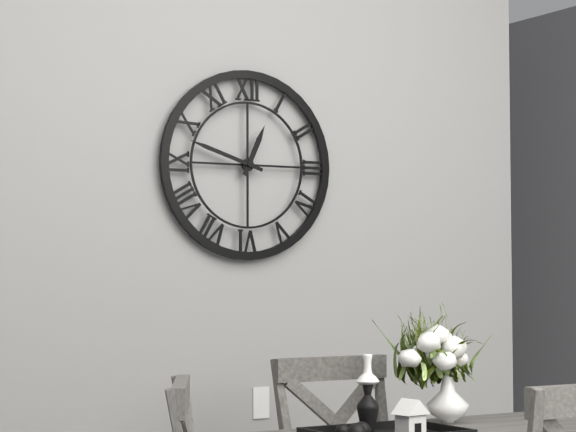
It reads 12 h 48 min
